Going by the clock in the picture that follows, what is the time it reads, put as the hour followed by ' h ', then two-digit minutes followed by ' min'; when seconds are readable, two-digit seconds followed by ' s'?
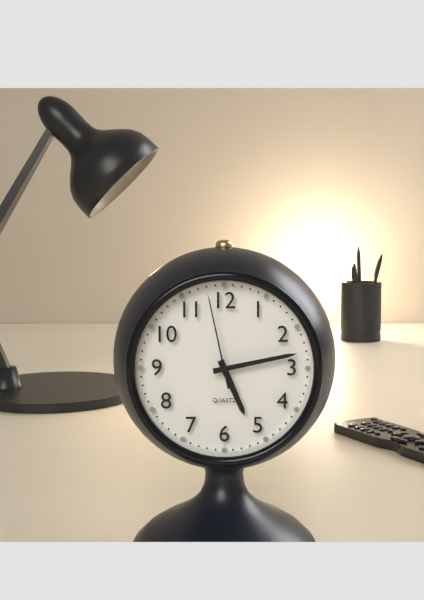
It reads 5 h 13 min 58 s
